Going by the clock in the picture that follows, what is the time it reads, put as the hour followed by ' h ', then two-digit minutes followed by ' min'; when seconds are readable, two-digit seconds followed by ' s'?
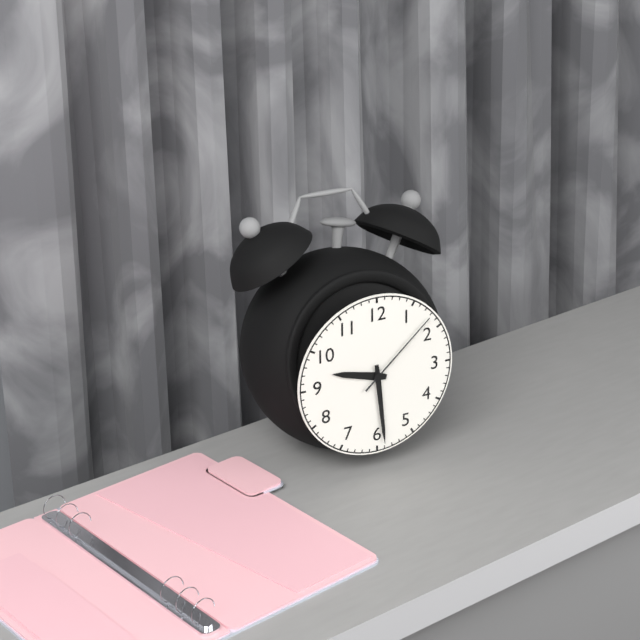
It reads 9 h 29 min 08 s
